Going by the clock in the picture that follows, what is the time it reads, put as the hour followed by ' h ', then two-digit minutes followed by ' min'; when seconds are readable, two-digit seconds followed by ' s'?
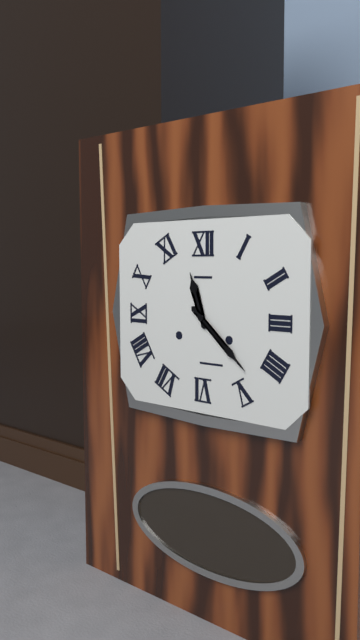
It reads 11 h 22 min
